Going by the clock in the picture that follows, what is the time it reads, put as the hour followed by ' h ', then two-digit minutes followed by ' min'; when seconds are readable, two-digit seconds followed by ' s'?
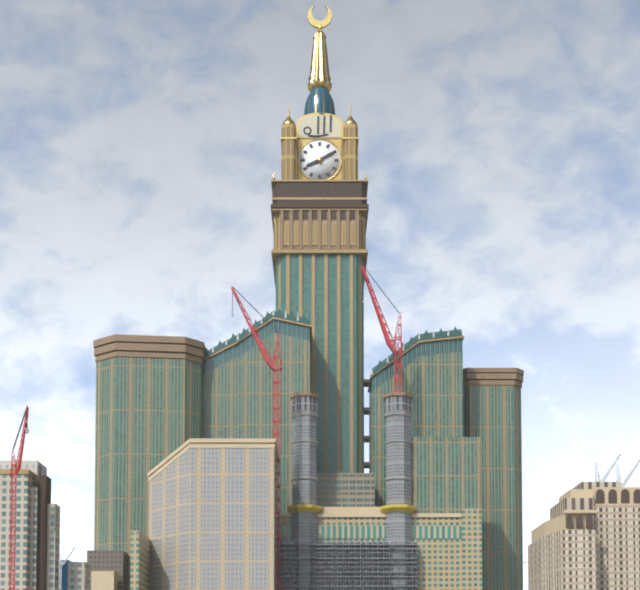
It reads 8 h 10 min
